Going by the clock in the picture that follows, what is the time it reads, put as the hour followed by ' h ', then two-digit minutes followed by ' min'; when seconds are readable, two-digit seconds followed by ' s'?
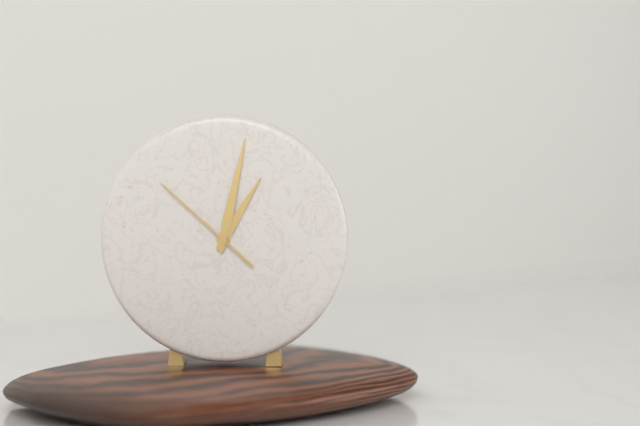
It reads 1 h 02 min 52 s
